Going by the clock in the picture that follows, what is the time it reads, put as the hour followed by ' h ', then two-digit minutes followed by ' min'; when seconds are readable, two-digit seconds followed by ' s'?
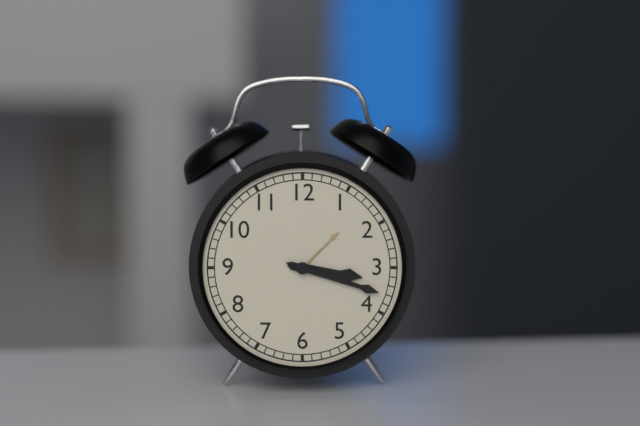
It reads 3 h 18 min
